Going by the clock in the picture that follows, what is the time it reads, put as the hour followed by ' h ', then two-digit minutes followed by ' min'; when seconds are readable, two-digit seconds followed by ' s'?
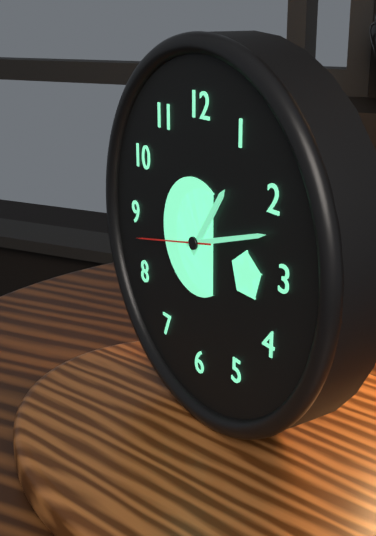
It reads 1 h 12 min 43 s
